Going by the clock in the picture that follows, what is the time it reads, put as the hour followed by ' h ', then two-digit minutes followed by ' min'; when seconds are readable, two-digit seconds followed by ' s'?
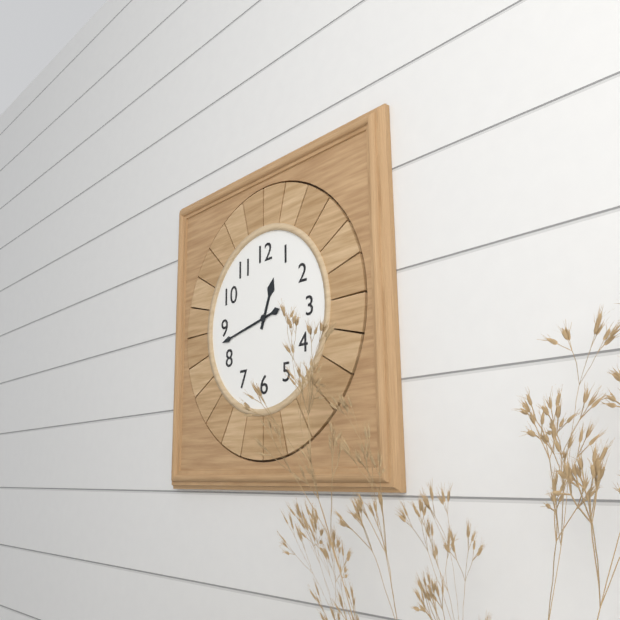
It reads 12 h 43 min
